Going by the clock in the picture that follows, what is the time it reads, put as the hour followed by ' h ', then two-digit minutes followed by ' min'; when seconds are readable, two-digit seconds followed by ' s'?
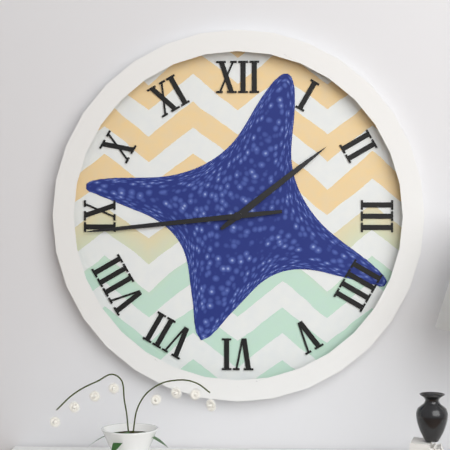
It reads 1 h 44 min
